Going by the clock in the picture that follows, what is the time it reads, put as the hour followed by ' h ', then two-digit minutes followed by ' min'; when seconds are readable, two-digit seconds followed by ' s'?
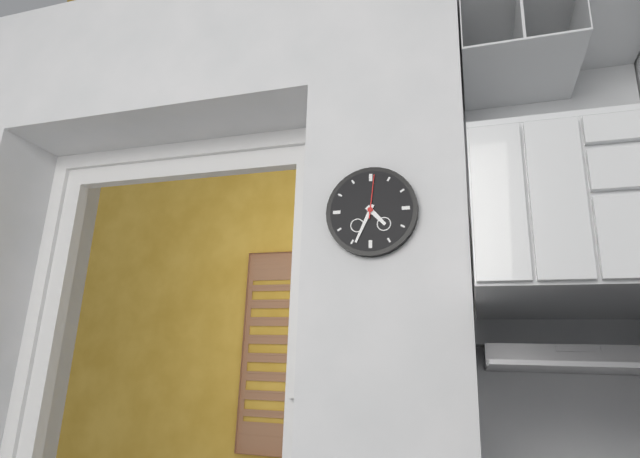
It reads 4 h 34 min
